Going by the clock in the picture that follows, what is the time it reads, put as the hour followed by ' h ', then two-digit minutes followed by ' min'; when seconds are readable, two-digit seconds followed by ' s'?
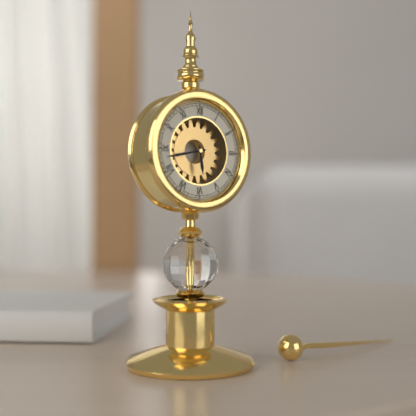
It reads 5 h 43 min
